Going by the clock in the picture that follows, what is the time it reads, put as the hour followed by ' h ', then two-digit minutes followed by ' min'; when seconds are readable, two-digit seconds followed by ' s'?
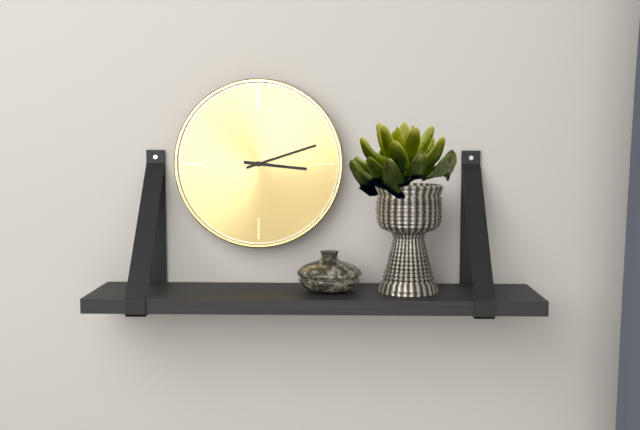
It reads 3 h 12 min
